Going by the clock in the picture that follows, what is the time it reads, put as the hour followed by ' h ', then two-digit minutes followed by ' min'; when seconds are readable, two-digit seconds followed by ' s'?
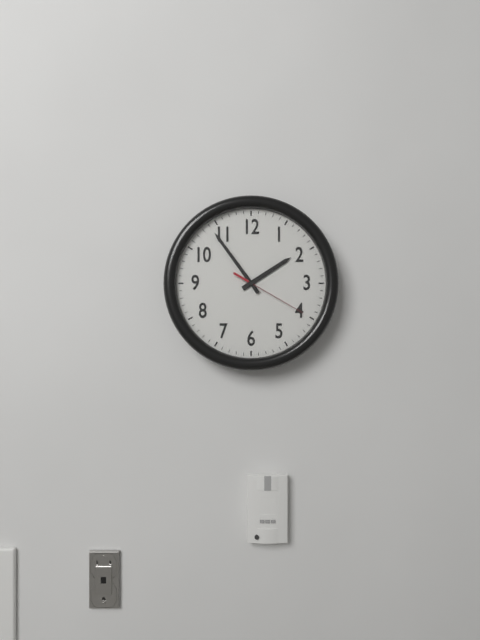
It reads 1 h 54 min 20 s
